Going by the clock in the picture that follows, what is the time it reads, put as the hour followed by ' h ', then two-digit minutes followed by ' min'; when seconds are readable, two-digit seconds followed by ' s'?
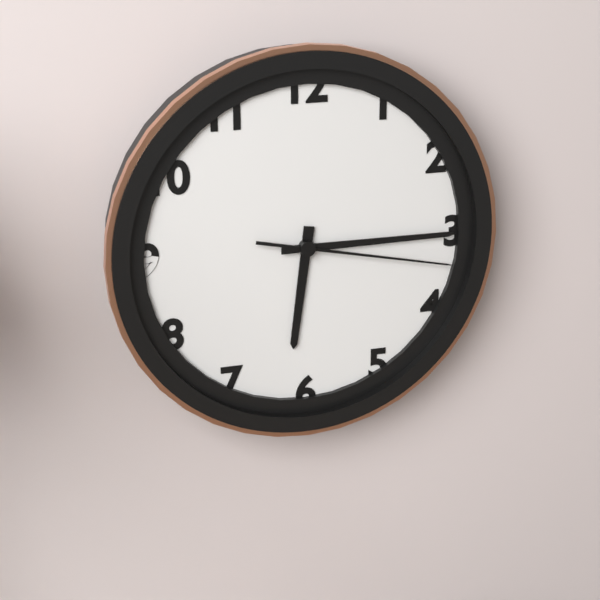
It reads 6 h 15 min 17 s
